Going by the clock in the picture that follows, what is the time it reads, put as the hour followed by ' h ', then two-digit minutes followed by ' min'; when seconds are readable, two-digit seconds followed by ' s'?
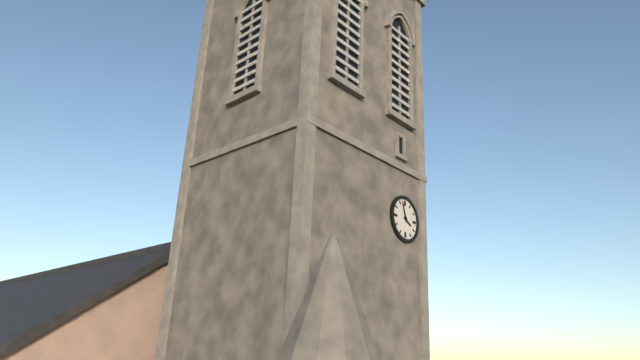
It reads 3 h 57 min
